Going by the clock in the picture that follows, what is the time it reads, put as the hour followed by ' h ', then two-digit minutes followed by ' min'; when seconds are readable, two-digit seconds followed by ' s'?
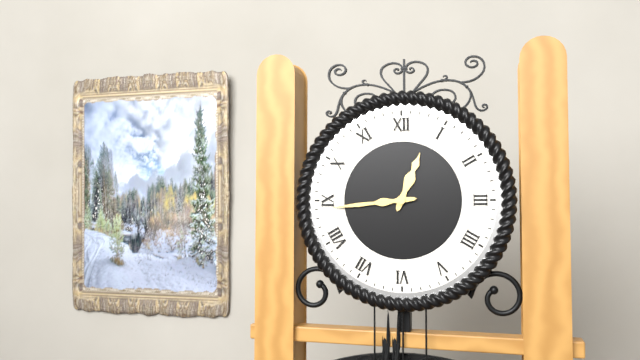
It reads 12 h 44 min
